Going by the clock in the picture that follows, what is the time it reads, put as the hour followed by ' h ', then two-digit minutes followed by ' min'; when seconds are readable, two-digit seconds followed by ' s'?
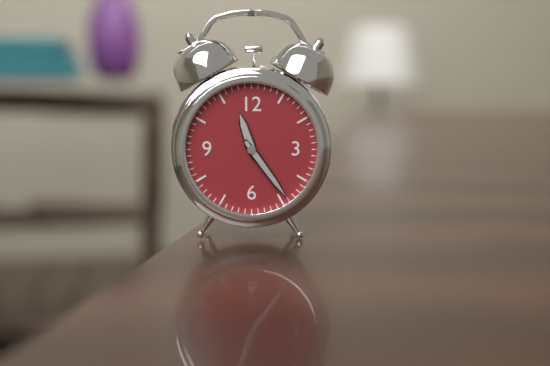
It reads 11 h 24 min
